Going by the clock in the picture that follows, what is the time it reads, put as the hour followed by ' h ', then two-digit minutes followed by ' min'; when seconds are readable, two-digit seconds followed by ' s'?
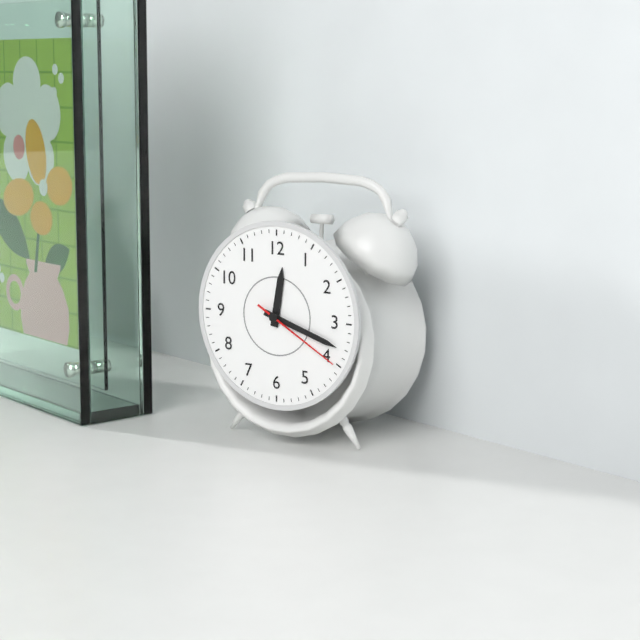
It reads 12 h 18 min 20 s
